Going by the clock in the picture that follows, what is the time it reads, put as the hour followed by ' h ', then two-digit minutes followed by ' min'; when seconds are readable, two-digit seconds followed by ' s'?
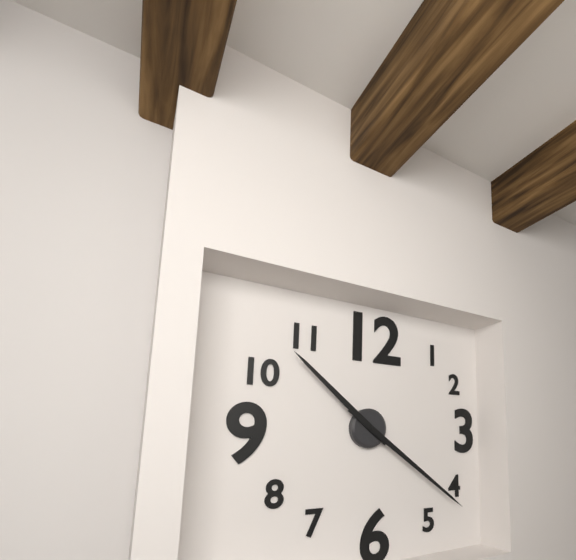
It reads 10 h 21 min
